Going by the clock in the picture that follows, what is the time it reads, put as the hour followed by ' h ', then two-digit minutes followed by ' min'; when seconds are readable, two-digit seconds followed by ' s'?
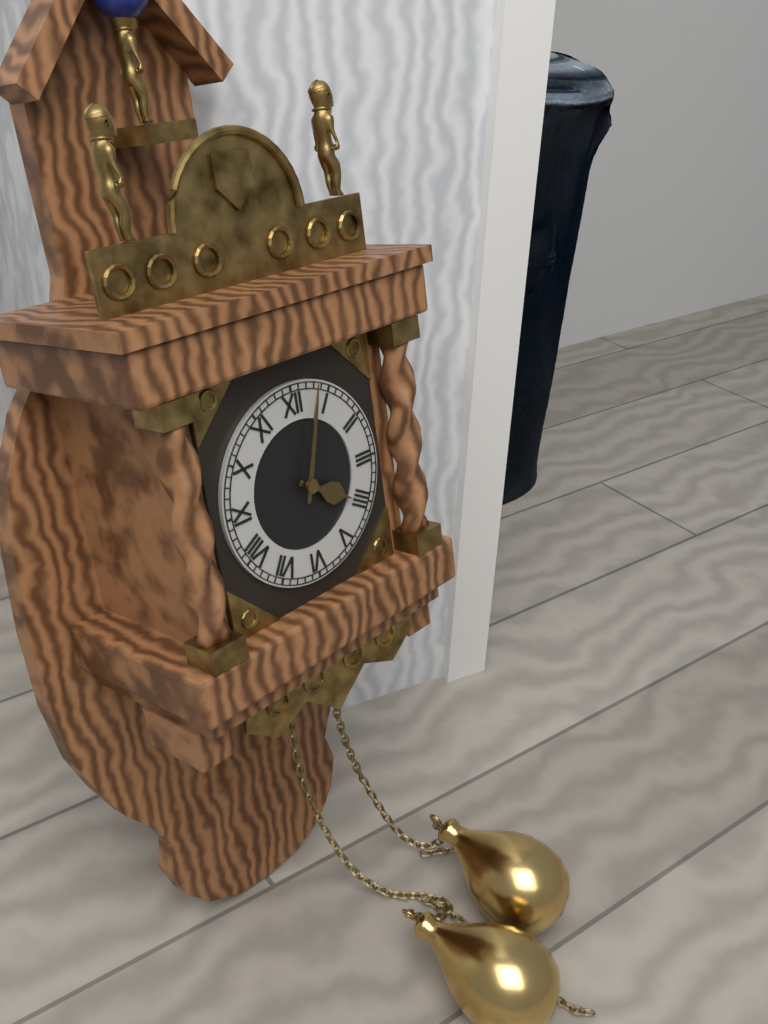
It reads 4 h 03 min
